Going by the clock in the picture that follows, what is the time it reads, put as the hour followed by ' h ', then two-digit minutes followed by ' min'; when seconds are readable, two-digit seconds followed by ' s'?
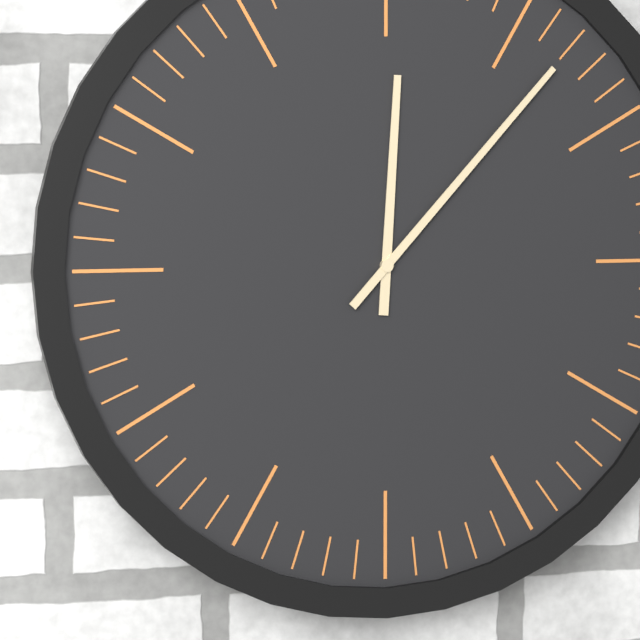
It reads 12 h 07 min
